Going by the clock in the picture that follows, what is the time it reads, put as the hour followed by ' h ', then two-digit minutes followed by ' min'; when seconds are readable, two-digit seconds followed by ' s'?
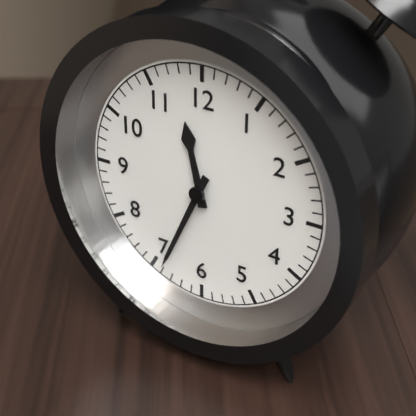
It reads 11 h 34 min
